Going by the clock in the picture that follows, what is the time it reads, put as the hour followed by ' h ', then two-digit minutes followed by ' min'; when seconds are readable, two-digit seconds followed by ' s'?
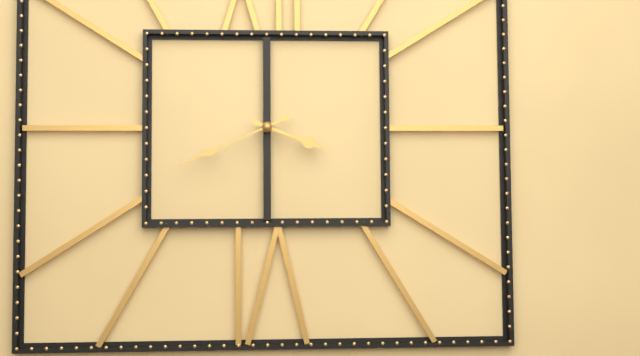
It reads 3 h 41 min
